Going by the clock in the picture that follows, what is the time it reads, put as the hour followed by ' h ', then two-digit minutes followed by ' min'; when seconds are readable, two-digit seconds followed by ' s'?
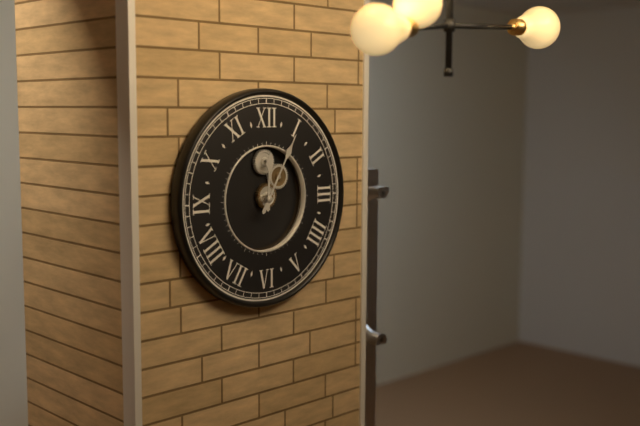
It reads 12 h 05 min
